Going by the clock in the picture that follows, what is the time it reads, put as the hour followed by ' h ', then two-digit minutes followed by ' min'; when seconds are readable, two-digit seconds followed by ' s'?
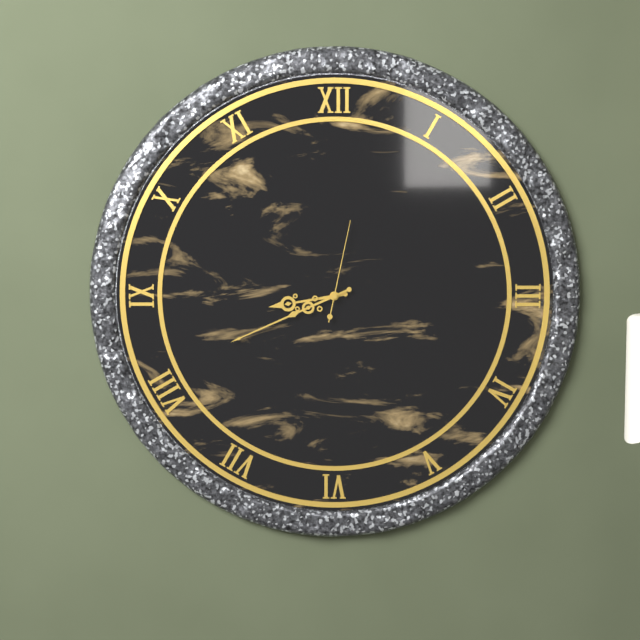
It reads 8 h 41 min 02 s
